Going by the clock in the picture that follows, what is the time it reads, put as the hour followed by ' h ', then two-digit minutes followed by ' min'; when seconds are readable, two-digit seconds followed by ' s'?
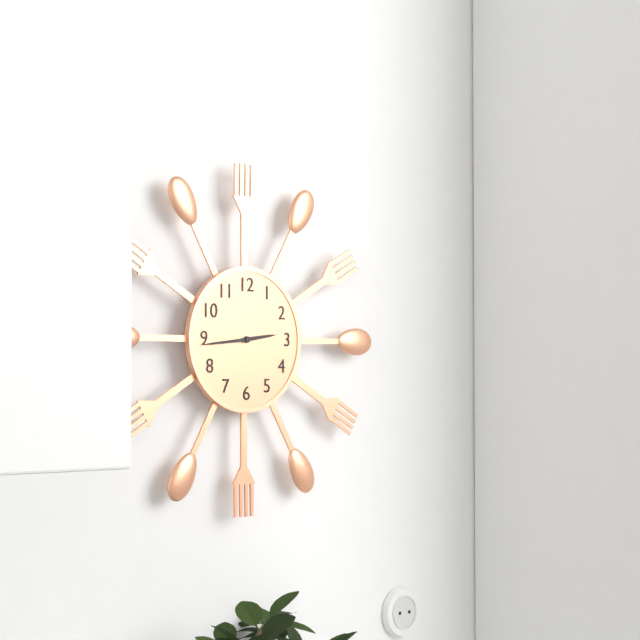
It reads 2 h 44 min
